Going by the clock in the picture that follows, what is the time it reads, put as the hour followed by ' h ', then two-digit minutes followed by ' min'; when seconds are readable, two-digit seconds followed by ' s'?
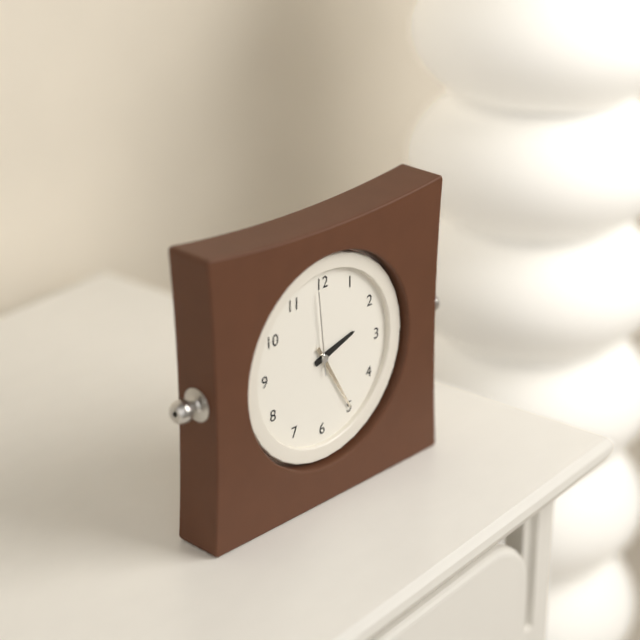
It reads 2 h 25 min 59 s
